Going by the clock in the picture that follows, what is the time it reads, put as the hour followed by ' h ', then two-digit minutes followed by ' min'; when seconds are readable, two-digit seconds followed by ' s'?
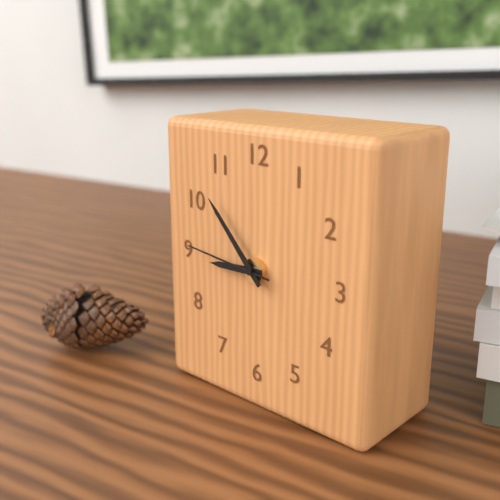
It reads 8 h 53 min 46 s
